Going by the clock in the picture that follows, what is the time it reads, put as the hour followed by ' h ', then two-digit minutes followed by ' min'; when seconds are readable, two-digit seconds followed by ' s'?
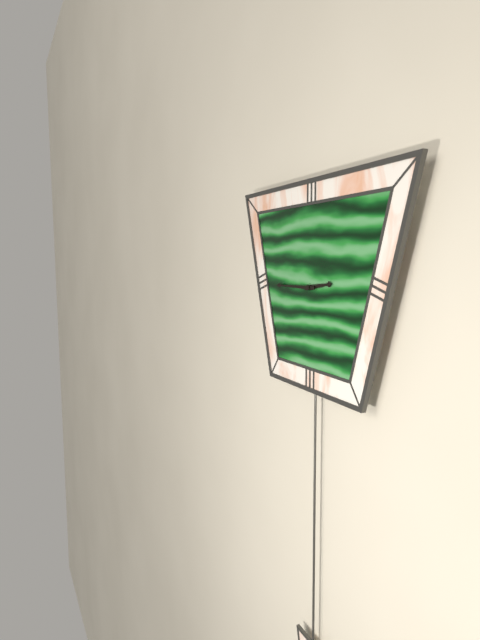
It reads 2 h 45 min
